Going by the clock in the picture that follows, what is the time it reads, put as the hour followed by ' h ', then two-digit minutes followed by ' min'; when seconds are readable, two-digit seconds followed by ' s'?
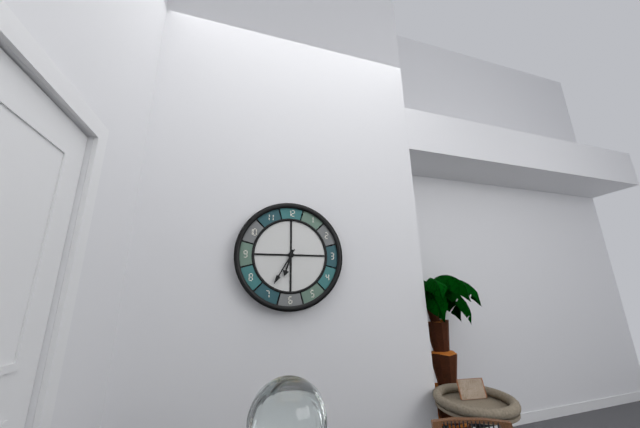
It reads 6 h 35 min
